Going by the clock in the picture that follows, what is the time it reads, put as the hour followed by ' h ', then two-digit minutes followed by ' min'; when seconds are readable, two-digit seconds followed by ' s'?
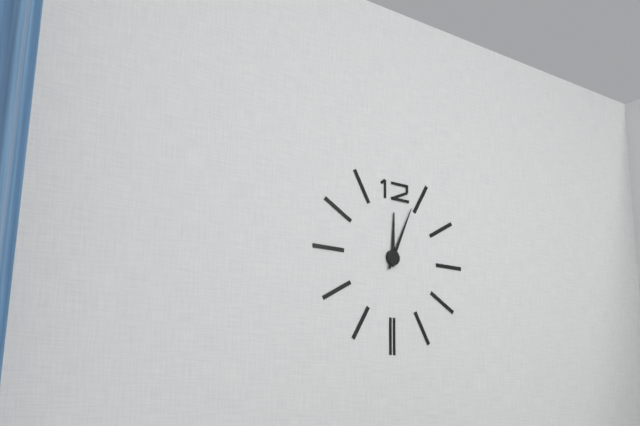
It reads 12 h 04 min
